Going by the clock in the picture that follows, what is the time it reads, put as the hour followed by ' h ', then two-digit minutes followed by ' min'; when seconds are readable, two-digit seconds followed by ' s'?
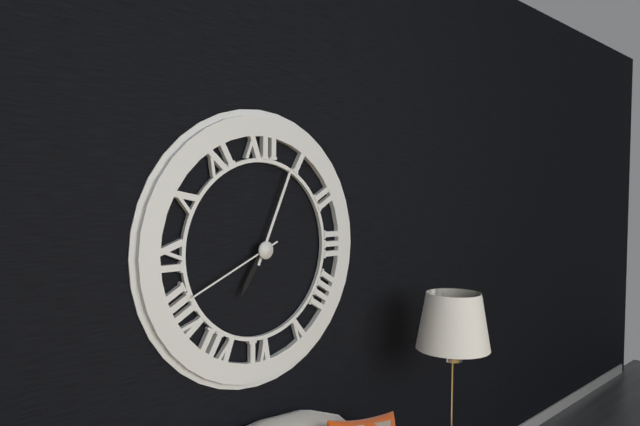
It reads 7 h 04 min 41 s
